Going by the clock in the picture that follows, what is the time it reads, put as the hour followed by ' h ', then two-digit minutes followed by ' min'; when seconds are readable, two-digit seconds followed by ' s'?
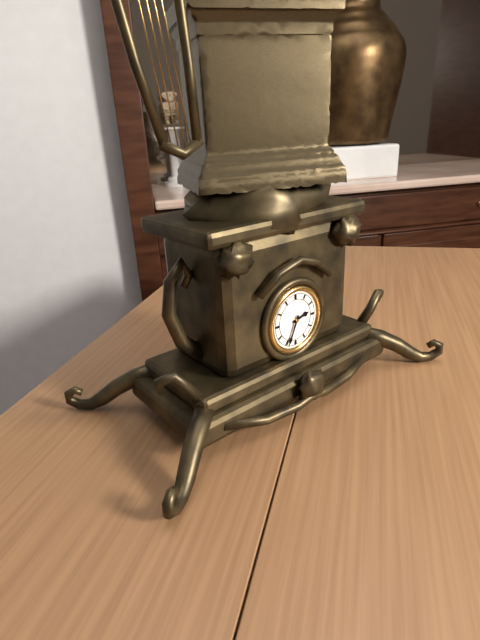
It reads 2 h 34 min
